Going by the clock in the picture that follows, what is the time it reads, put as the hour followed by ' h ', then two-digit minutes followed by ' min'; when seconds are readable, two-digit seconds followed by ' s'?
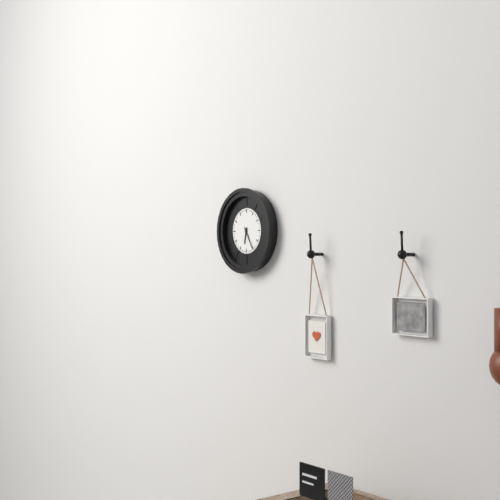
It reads 6 h 25 min
